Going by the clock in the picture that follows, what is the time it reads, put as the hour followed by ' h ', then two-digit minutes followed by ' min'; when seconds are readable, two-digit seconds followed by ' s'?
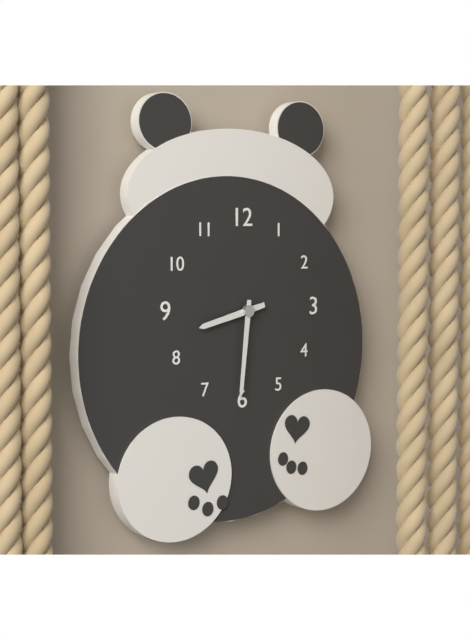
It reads 8 h 31 min
